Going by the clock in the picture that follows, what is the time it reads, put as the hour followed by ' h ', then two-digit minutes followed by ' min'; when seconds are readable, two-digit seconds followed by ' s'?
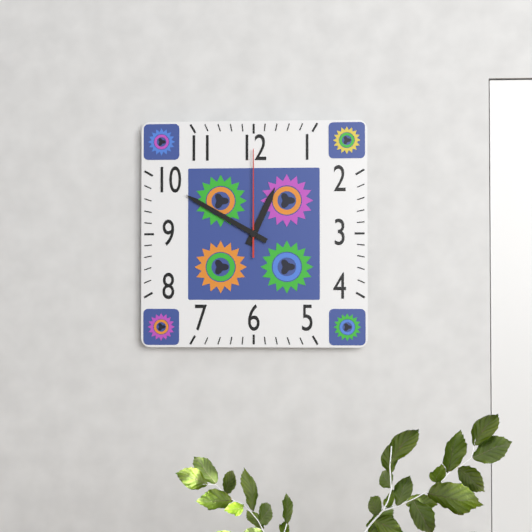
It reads 12 h 50 min 00 s
